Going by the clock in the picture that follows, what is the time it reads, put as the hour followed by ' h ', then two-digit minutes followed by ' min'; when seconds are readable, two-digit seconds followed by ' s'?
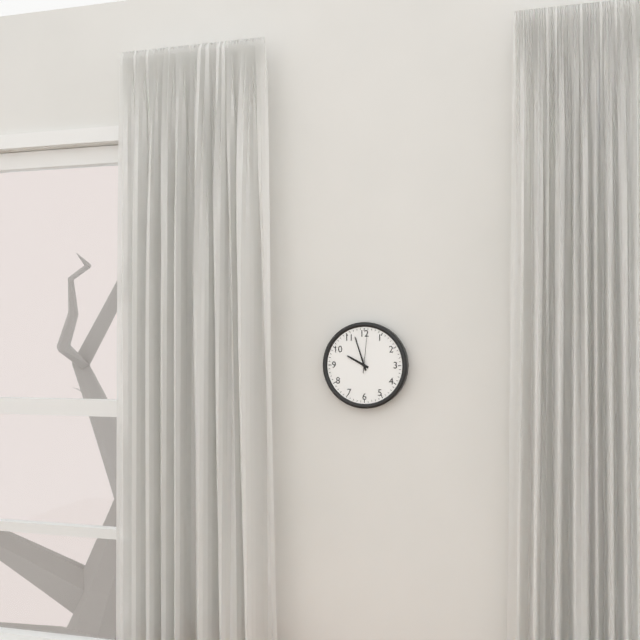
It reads 9 h 57 min
